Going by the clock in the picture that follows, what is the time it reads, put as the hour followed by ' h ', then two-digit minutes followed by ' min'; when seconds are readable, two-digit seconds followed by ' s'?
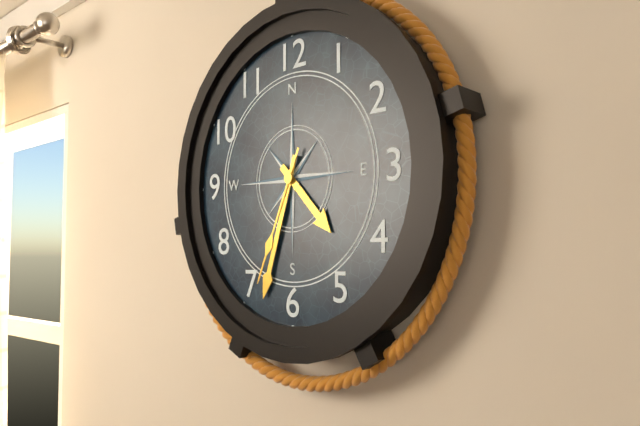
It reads 4 h 33 min 34 s
